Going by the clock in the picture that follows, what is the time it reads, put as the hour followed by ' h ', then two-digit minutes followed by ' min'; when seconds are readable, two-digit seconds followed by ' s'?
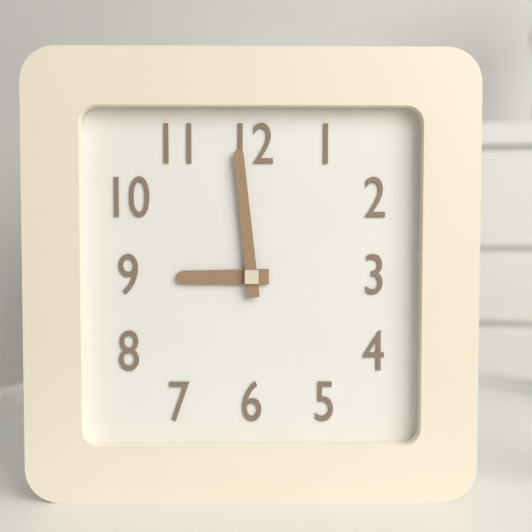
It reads 8 h 59 min
